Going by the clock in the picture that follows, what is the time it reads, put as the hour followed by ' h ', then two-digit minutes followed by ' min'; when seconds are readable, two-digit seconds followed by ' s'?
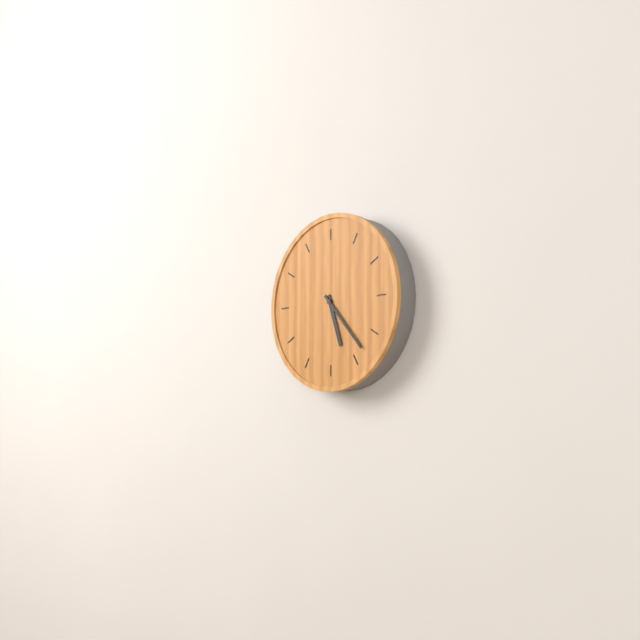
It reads 5 h 23 min
